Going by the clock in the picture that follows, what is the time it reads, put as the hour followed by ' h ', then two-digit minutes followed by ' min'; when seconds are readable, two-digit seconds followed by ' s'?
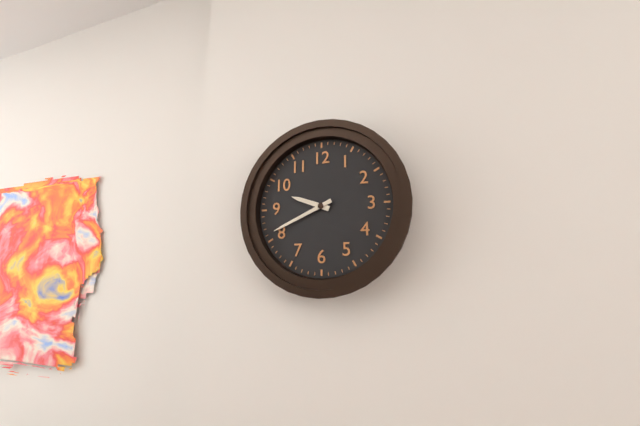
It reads 9 h 41 min
